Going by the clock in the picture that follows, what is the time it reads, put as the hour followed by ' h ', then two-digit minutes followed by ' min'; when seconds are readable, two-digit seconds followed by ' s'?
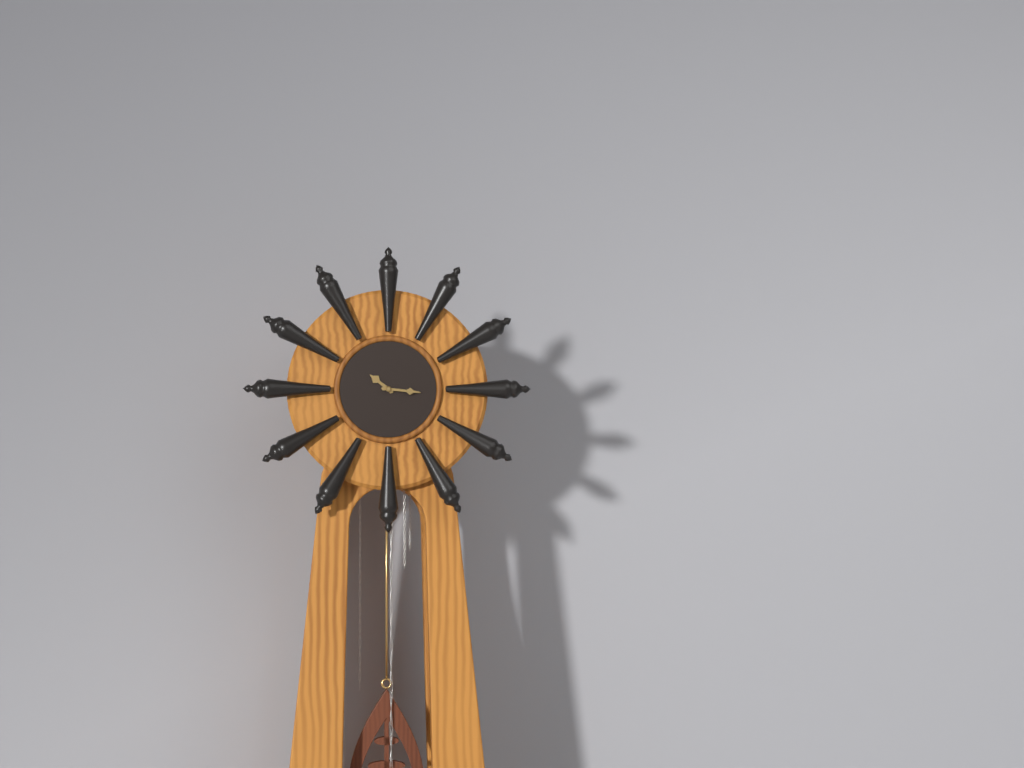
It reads 10 h 16 min
